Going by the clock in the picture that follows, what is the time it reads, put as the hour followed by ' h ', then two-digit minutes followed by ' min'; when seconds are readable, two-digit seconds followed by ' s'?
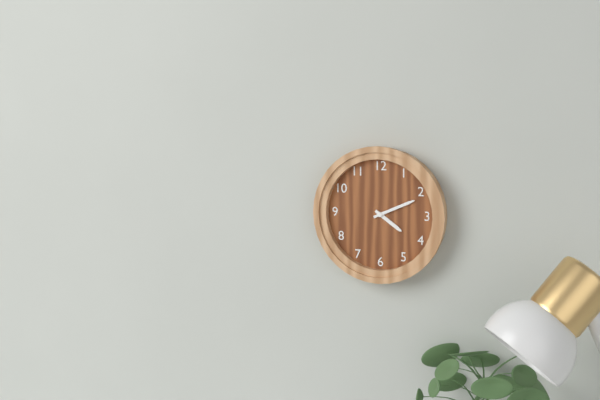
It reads 4 h 11 min
